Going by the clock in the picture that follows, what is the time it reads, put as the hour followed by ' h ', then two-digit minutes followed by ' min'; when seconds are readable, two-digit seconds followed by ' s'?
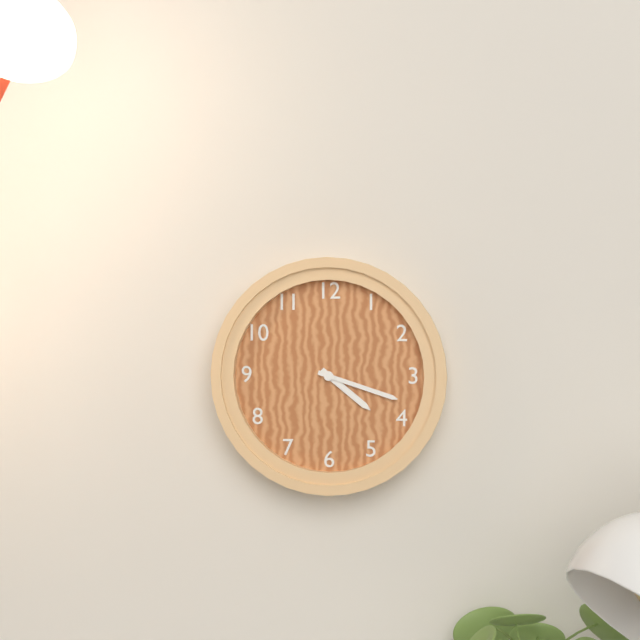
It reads 4 h 18 min
